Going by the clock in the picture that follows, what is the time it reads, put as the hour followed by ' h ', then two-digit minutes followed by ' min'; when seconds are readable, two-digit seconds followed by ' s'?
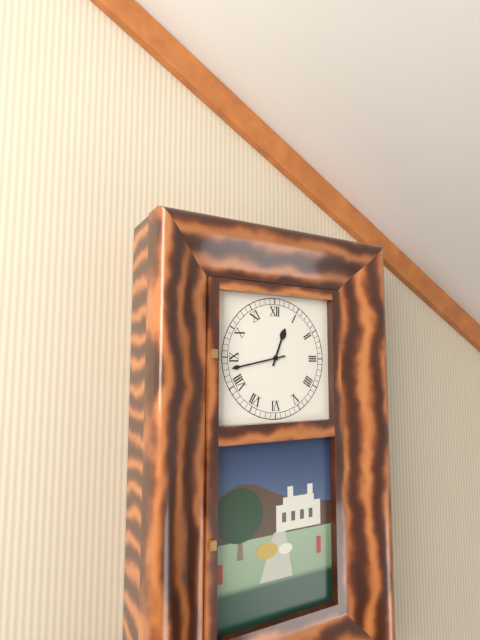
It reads 12 h 43 min
